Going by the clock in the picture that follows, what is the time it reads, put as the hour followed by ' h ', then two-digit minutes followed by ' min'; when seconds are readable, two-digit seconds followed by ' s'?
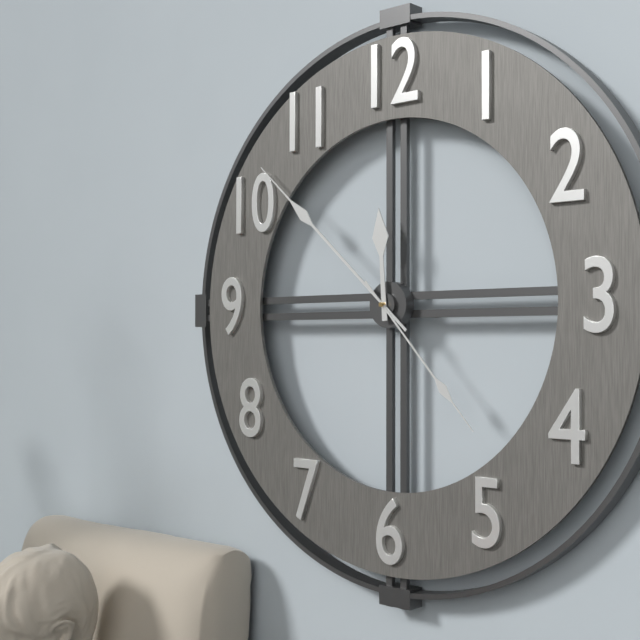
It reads 11 h 52 min 23 s
